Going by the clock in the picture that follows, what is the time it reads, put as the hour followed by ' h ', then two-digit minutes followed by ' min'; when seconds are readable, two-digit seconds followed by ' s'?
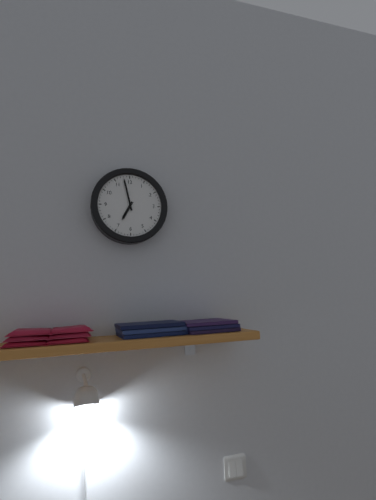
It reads 6 h 58 min
